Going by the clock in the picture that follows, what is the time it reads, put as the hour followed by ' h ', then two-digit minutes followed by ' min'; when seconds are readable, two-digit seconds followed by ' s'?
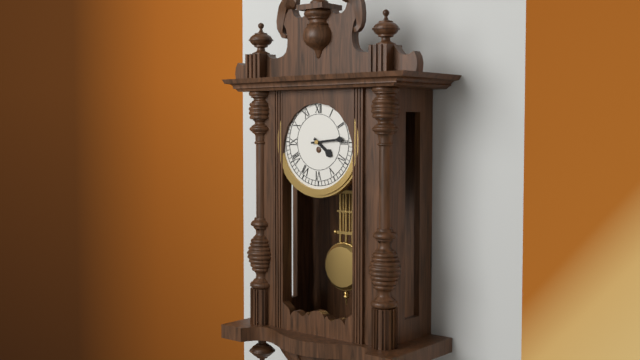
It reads 4 h 14 min
